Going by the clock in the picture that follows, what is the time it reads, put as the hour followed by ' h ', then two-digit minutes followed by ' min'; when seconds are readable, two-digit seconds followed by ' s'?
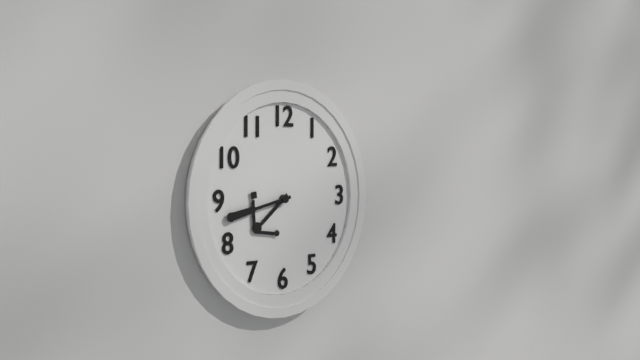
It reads 7 h 43 min
